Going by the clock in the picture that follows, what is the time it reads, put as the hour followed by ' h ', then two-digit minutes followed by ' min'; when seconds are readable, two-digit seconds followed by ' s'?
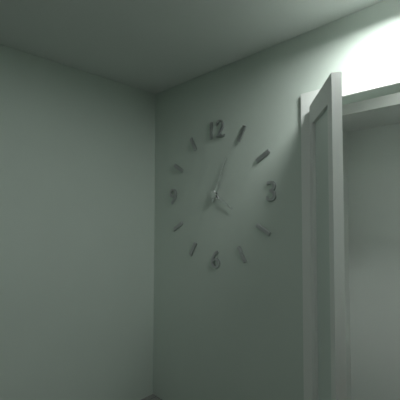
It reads 4 h 04 min
